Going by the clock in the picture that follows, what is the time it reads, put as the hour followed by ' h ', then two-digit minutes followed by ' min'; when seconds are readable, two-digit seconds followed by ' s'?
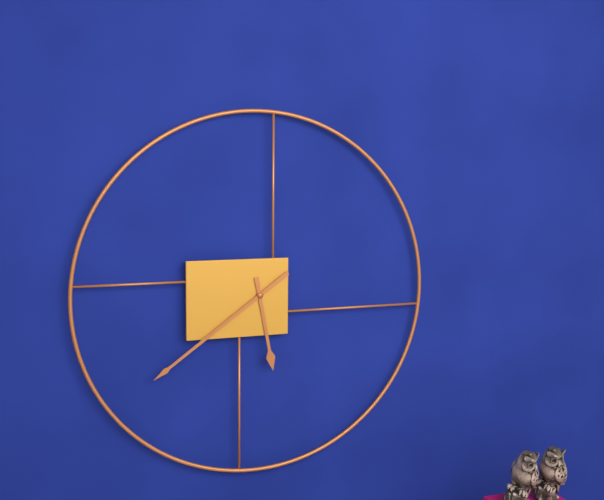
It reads 5 h 39 min
